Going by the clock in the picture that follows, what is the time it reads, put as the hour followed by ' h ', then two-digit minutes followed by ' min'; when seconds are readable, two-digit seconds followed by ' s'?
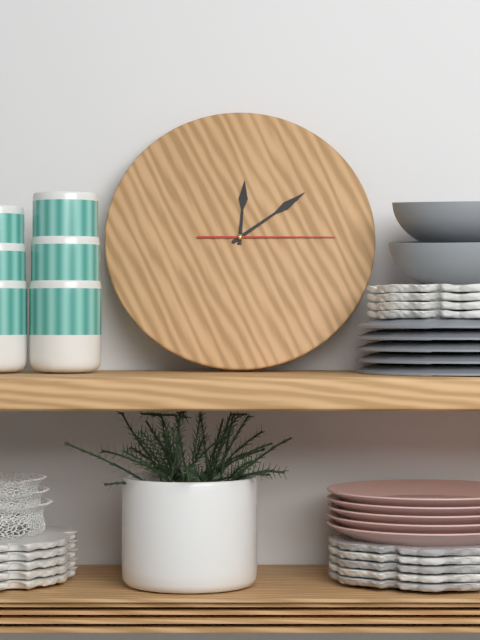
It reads 12 h 09 min 15 s
